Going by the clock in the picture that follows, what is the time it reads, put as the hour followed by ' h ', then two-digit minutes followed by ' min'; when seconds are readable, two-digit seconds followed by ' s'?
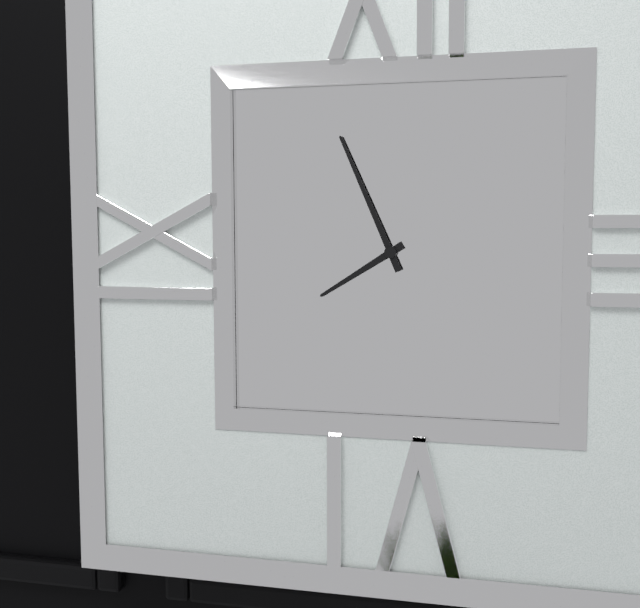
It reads 7 h 56 min
